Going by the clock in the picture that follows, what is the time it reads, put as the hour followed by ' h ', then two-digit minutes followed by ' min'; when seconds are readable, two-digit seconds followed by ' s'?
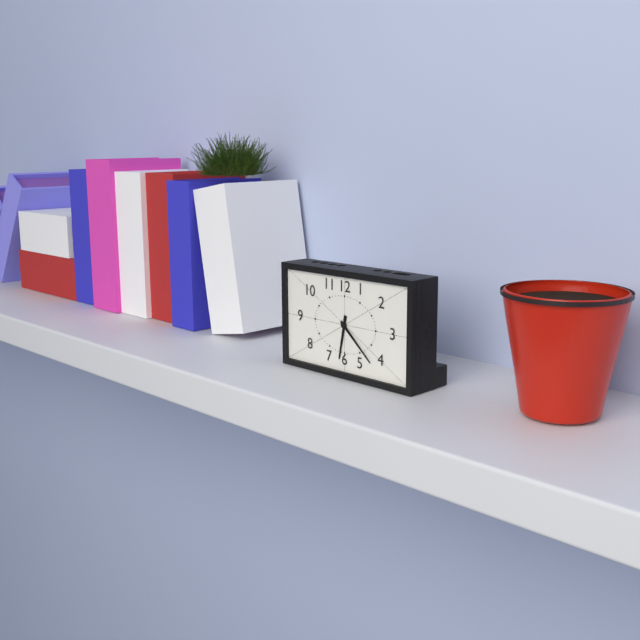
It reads 6 h 22 min
